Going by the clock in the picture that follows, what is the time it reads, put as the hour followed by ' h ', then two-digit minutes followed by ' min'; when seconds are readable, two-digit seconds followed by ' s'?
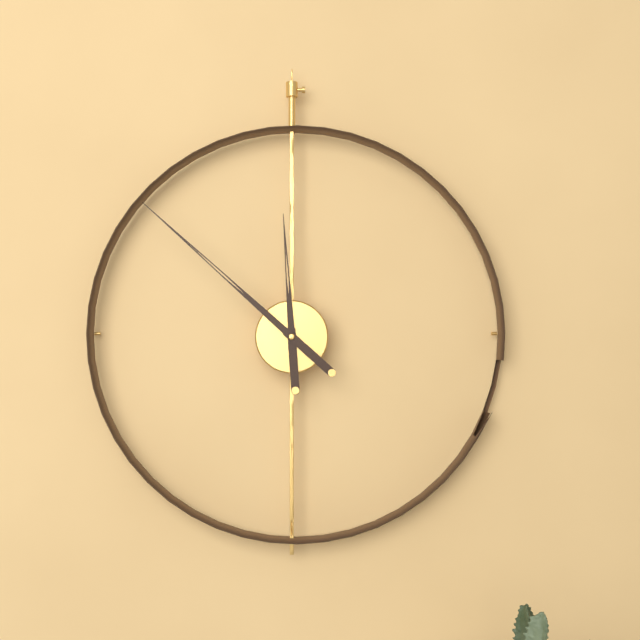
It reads 11 h 52 min
